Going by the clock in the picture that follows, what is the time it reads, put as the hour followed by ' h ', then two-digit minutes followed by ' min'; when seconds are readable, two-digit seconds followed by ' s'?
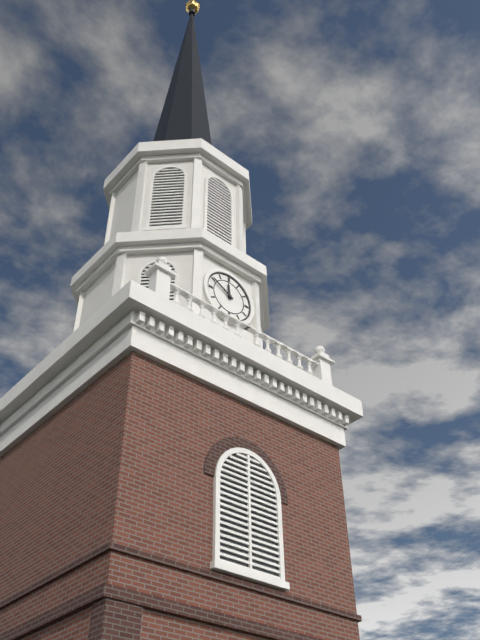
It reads 11 h 50 min
